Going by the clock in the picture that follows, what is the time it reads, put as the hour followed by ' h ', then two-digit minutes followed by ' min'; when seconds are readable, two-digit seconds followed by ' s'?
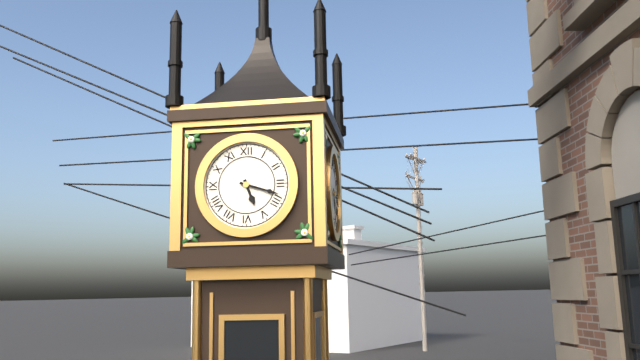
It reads 5 h 18 min
